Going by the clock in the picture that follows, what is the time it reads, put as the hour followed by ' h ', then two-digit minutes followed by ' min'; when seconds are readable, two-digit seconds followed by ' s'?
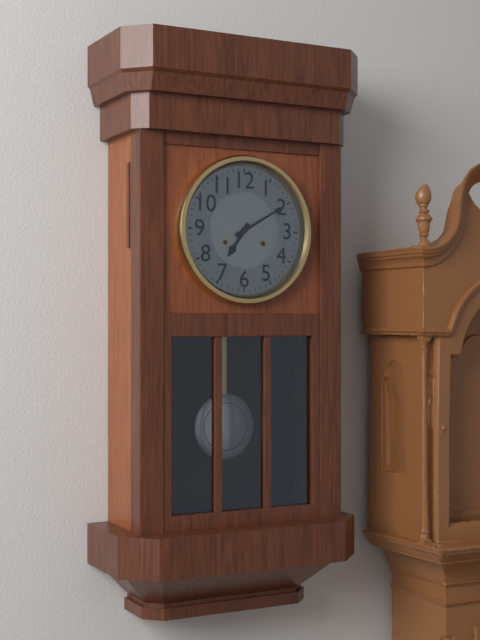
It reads 7 h 10 min
